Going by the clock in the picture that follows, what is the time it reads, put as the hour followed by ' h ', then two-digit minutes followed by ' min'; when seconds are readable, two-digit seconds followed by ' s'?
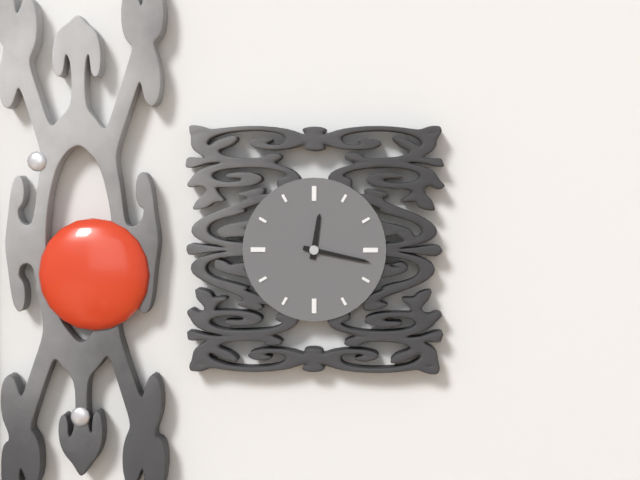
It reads 12 h 17 min
